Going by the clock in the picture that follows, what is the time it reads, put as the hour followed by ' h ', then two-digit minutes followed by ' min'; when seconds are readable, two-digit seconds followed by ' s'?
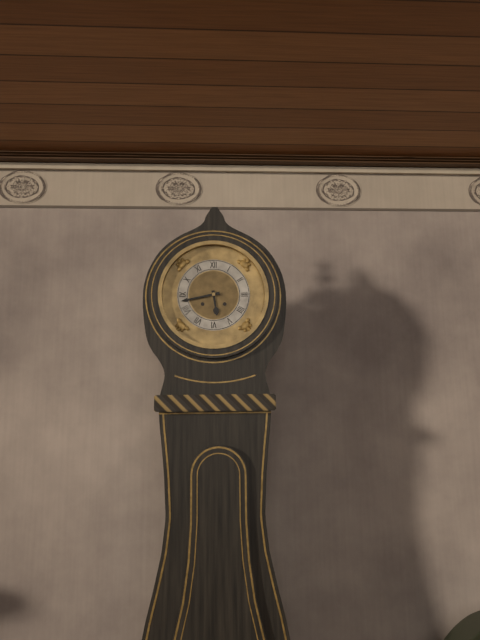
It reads 5 h 43 min
